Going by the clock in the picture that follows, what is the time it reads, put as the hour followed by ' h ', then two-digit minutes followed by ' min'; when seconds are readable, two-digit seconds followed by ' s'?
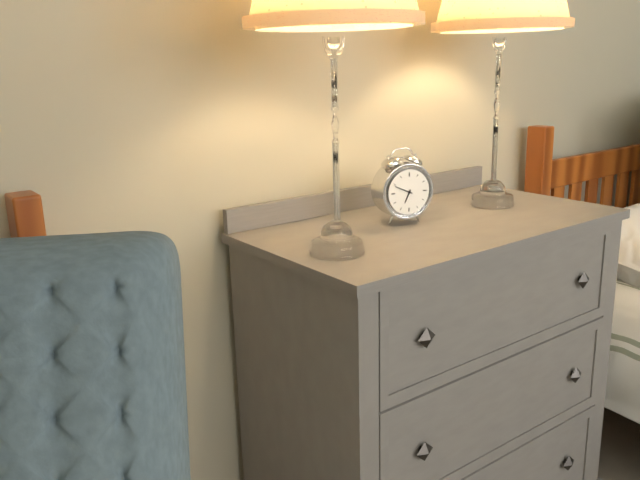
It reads 6 h 49 min
